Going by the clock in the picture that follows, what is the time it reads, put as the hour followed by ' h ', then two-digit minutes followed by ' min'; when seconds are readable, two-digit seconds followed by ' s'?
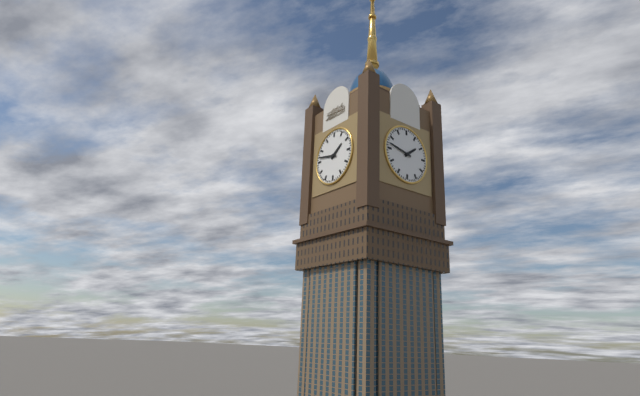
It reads 1 h 47 min
